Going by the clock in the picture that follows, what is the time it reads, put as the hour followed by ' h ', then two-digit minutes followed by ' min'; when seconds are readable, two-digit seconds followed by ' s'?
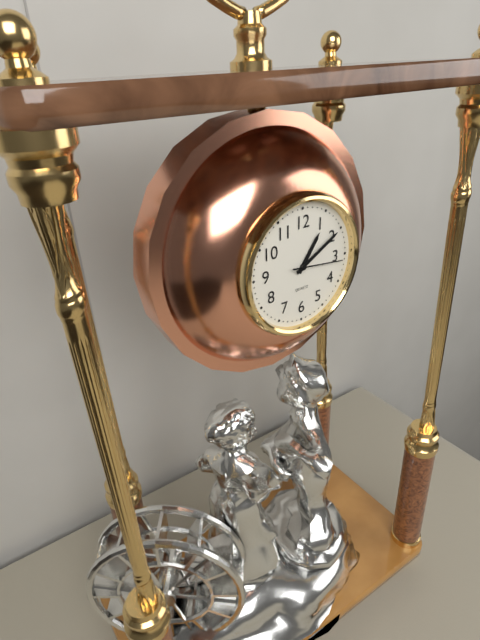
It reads 1 h 10 min 16 s
